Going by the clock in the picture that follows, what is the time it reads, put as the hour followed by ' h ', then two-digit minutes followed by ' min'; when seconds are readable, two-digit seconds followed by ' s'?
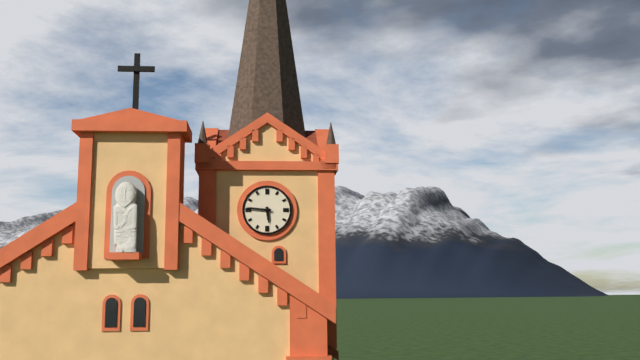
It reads 5 h 46 min
